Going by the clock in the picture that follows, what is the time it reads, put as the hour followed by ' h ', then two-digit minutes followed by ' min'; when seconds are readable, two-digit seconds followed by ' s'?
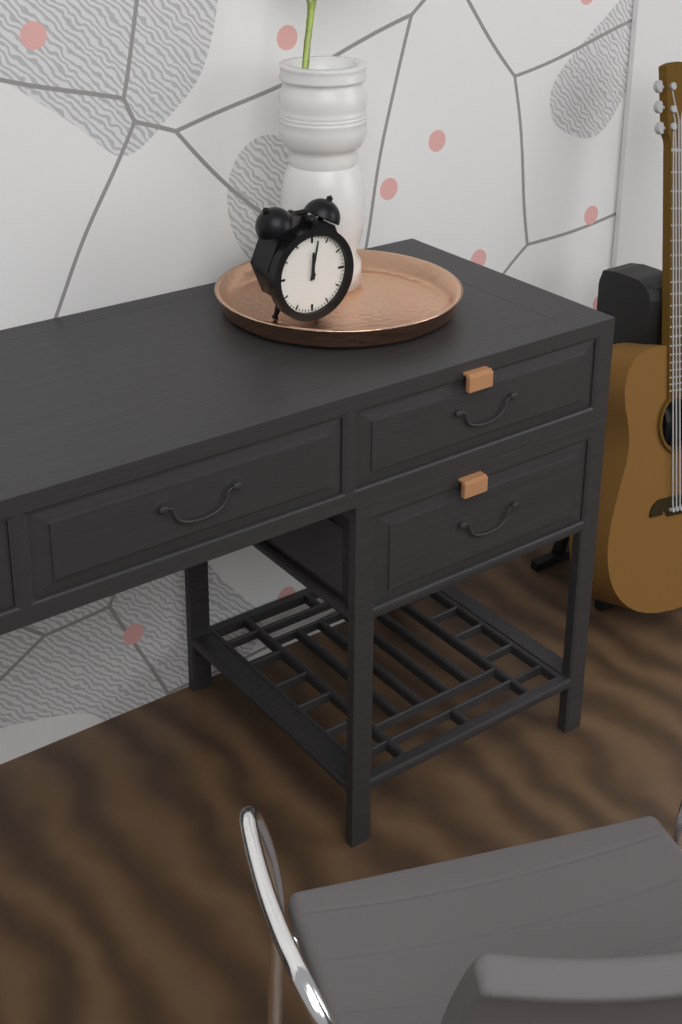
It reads 12 h 02 min
